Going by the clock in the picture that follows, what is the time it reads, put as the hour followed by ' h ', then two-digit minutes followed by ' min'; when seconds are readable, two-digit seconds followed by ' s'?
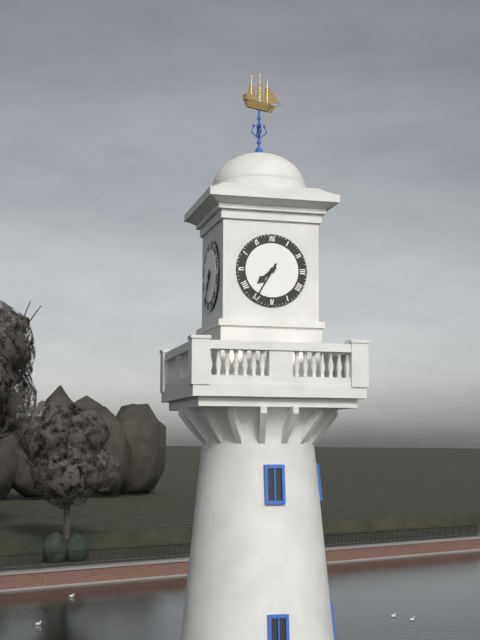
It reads 7 h 35 min
